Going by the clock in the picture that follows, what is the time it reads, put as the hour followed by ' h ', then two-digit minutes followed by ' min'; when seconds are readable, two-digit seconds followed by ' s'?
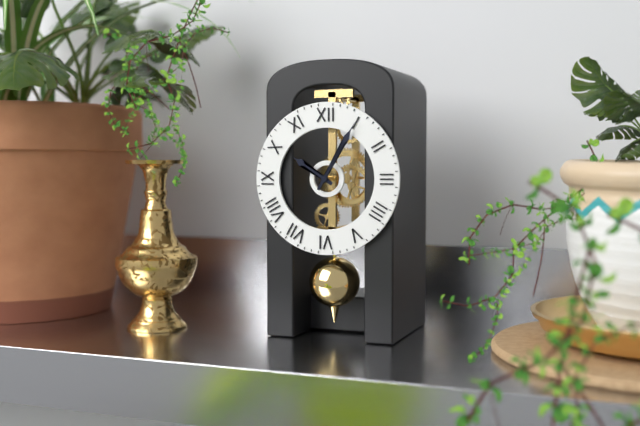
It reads 10 h 05 min
